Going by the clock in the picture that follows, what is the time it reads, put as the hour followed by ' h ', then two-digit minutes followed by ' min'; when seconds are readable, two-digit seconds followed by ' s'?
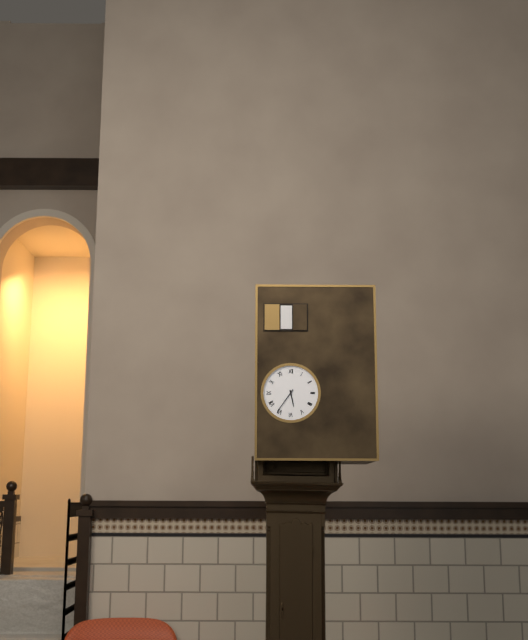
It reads 5 h 36 min
